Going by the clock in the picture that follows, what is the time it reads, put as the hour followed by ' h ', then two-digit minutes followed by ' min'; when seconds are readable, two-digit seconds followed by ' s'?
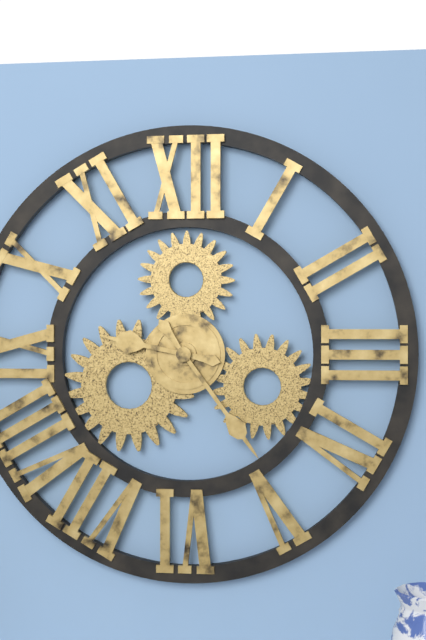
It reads 9 h 24 min
